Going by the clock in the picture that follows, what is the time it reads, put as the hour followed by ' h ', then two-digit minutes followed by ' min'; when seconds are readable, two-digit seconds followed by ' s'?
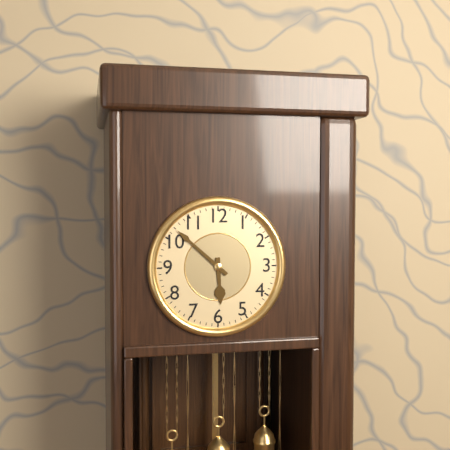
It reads 5 h 52 min
